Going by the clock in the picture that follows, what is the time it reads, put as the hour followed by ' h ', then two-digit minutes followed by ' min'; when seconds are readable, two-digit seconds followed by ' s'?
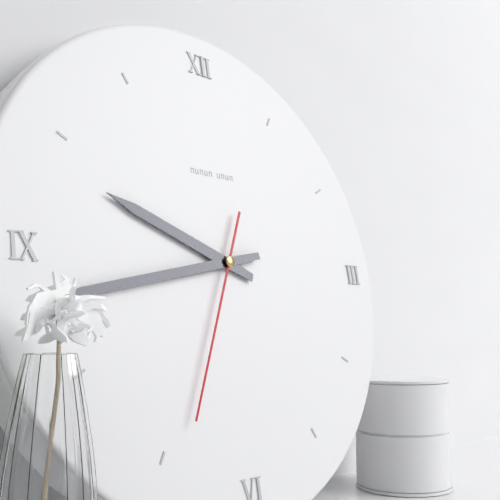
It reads 9 h 43 min 34 s
